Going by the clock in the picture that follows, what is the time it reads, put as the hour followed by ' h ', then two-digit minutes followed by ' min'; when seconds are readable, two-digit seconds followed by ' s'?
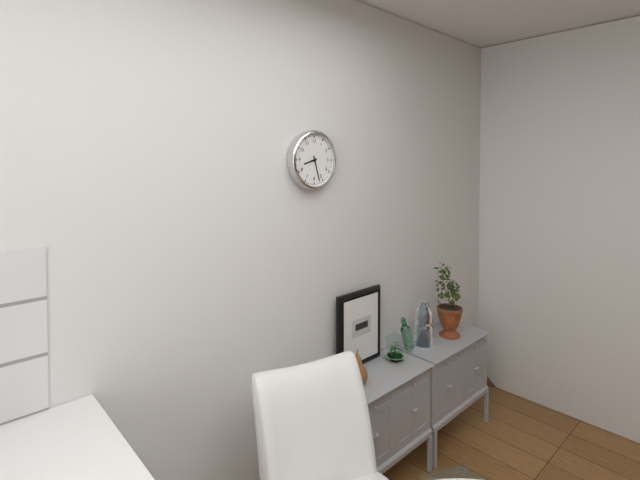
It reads 8 h 27 min
